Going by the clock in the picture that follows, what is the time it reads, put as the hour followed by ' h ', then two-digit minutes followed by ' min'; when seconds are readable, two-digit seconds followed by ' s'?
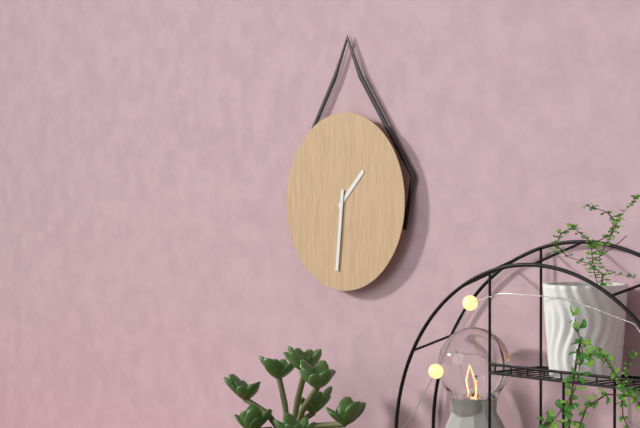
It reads 1 h 31 min
